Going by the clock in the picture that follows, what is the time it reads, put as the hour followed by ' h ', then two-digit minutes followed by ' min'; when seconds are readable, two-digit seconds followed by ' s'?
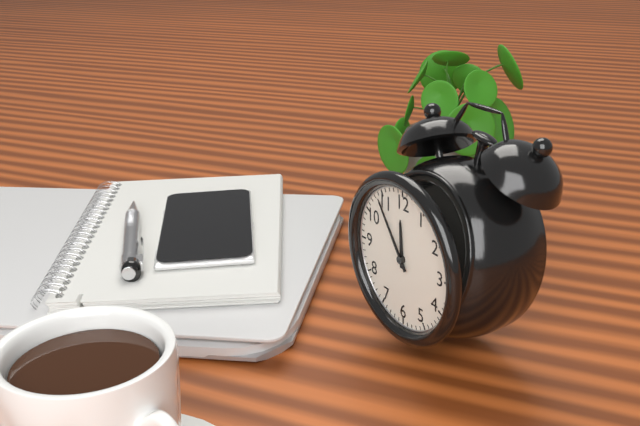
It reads 11 h 54 min
